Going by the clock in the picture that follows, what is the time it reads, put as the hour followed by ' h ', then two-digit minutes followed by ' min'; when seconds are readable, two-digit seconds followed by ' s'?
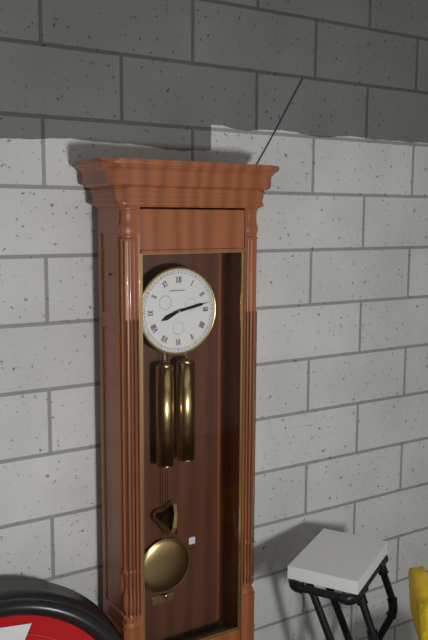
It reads 8 h 13 min
